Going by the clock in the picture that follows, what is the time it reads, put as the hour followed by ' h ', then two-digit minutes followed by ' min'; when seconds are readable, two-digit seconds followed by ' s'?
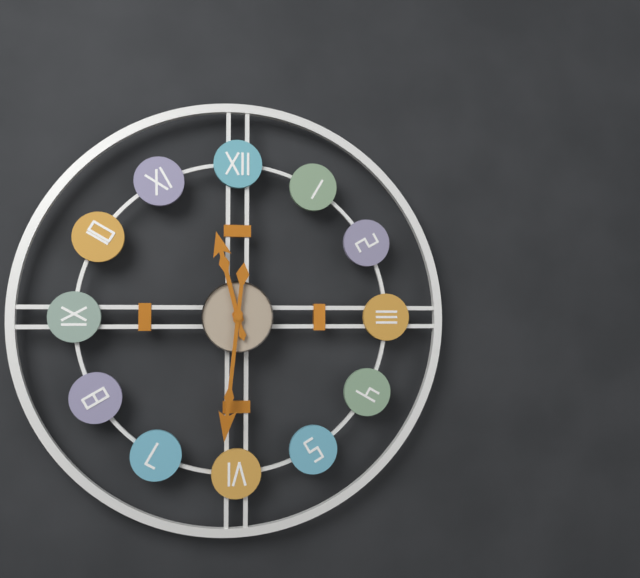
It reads 11 h 31 min
